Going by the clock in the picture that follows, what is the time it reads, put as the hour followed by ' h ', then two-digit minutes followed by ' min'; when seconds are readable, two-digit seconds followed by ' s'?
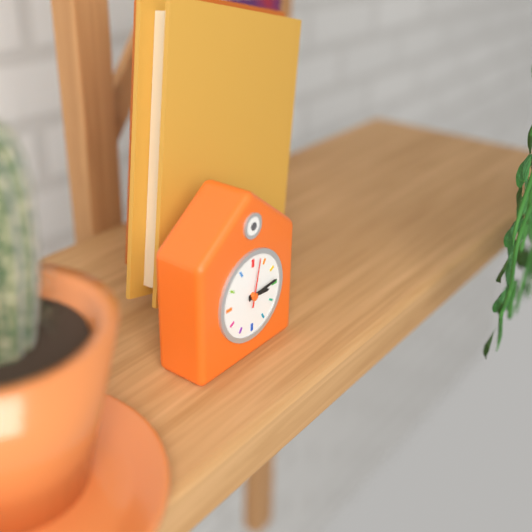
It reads 3 h 14 min 02 s
